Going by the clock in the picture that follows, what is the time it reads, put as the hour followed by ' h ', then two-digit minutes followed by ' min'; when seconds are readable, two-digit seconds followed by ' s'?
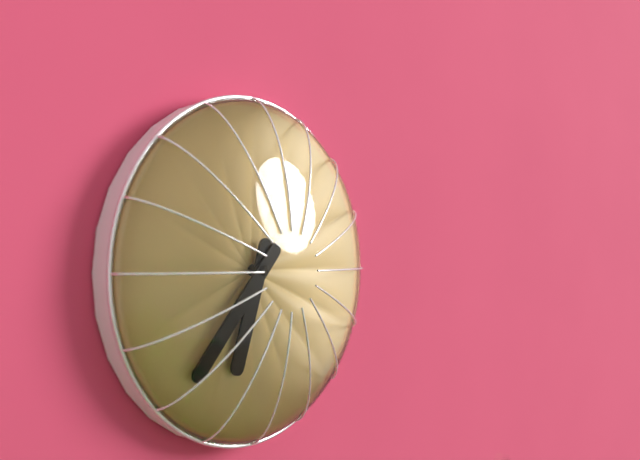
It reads 6 h 37 min
